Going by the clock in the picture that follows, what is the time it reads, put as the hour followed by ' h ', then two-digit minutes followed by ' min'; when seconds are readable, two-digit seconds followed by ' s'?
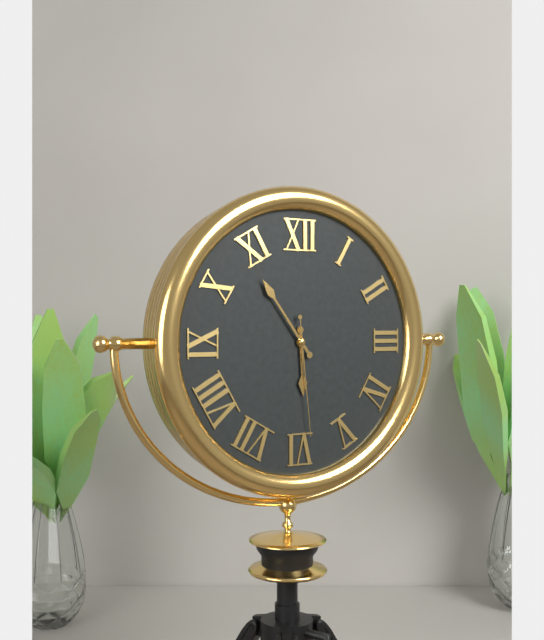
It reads 5 h 54 min 29 s
